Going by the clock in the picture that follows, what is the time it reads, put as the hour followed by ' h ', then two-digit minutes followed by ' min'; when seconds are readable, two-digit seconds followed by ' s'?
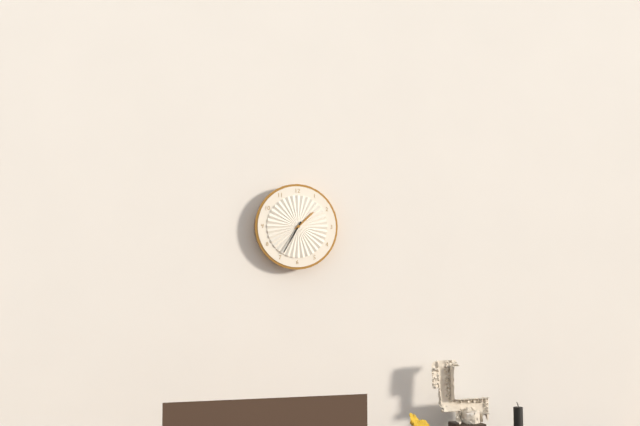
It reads 1 h 35 min
